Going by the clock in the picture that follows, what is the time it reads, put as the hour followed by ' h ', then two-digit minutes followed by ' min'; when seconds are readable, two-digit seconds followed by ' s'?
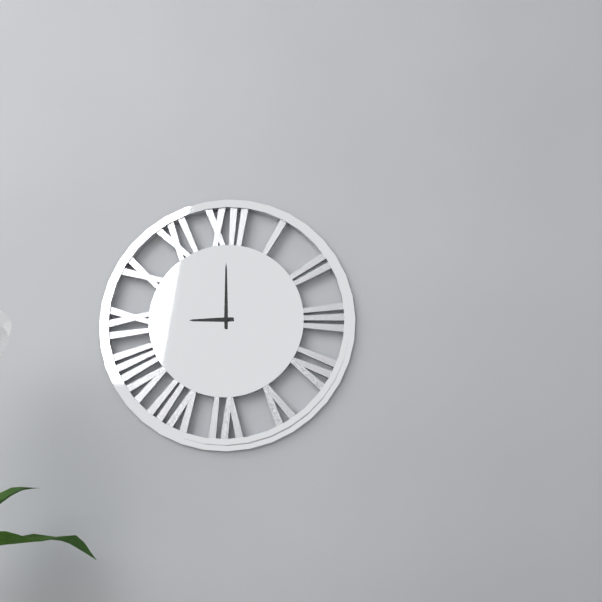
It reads 9 h 00 min
